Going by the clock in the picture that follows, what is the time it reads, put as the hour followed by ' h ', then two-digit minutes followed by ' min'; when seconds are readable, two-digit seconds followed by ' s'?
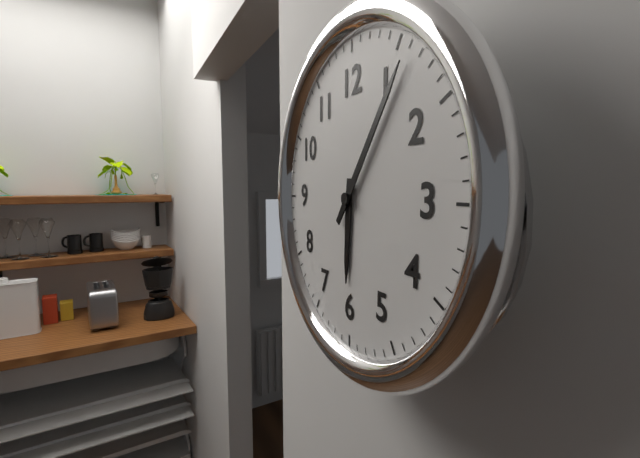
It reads 6 h 06 min
